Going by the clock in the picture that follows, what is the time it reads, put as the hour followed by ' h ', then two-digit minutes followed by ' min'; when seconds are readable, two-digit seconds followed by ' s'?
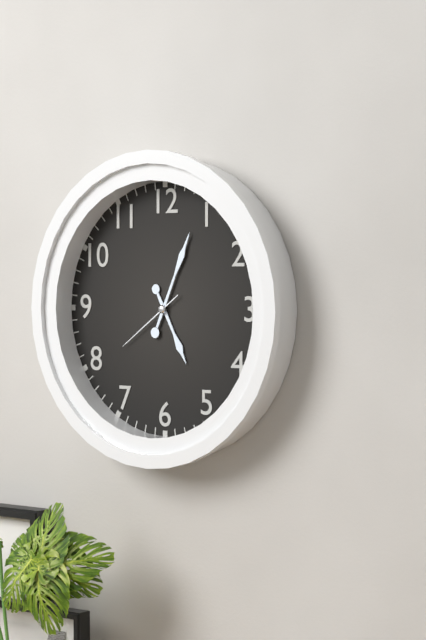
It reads 5 h 04 min 39 s
